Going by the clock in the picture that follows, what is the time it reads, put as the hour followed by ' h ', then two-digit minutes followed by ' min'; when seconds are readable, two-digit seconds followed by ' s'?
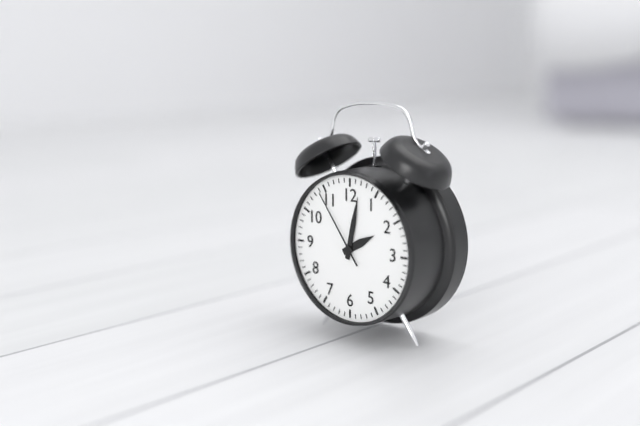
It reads 2 h 02 min 54 s
